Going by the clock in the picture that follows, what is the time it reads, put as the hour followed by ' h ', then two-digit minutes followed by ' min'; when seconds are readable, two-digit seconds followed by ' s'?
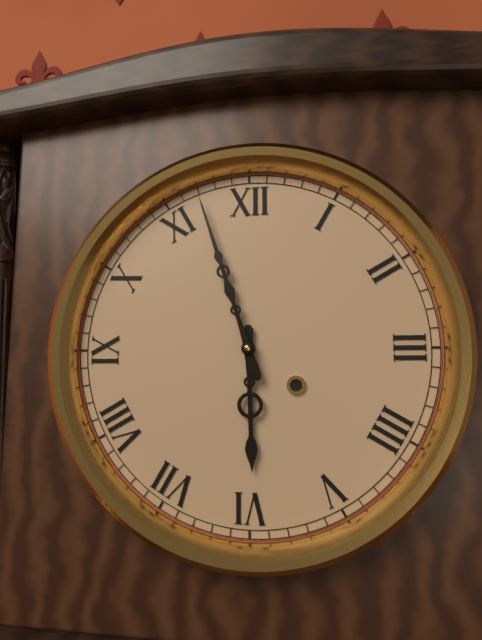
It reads 5 h 57 min
